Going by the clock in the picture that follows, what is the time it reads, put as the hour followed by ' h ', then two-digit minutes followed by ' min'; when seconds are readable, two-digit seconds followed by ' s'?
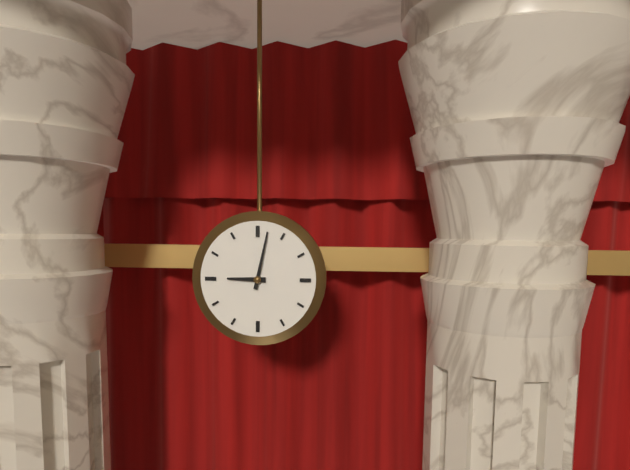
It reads 9 h 02 min
